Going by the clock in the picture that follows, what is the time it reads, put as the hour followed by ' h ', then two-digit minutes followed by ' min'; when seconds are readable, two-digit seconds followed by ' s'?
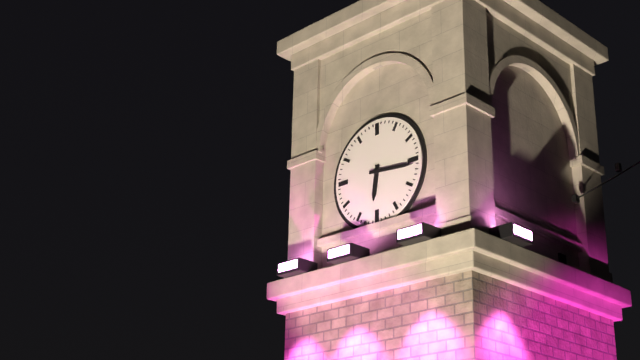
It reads 6 h 16 min
